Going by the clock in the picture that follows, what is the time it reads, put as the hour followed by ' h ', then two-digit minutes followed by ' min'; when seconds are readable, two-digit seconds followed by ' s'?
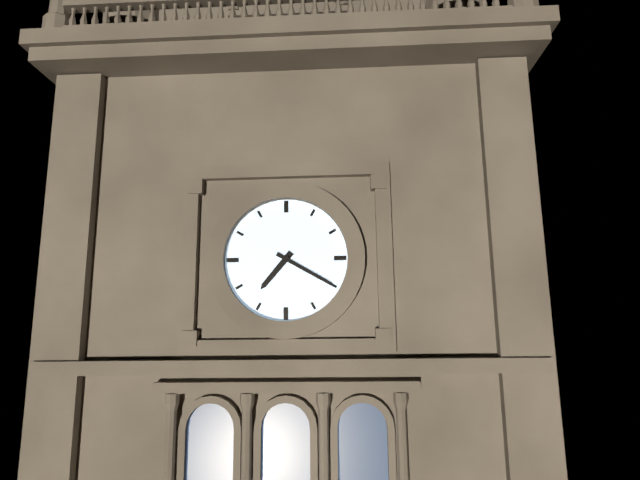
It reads 7 h 20 min
